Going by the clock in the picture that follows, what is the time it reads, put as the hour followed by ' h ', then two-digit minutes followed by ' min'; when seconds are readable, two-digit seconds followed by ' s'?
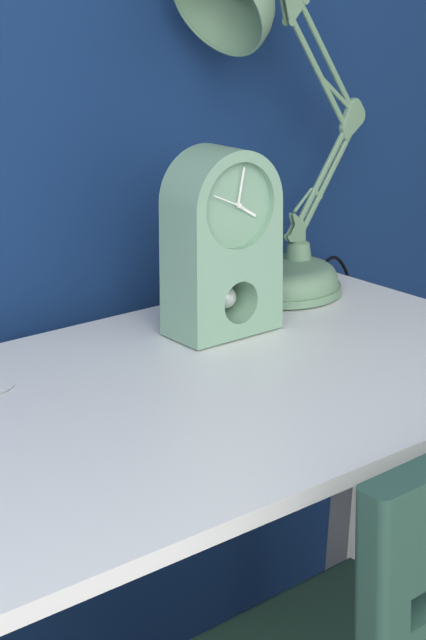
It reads 4 h 02 min
